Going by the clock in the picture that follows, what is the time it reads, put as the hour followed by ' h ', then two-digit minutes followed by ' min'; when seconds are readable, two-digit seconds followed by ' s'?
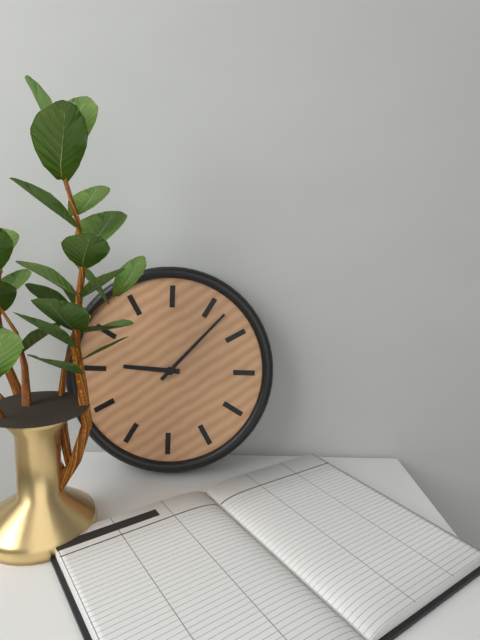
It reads 9 h 07 min
